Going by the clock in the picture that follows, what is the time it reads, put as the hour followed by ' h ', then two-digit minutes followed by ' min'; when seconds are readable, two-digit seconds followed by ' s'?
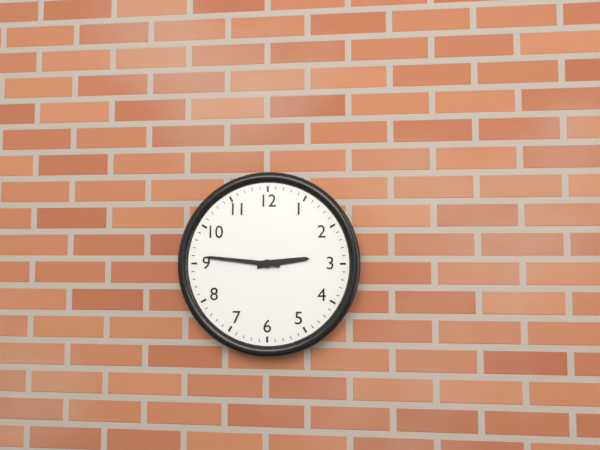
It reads 2 h 46 min
